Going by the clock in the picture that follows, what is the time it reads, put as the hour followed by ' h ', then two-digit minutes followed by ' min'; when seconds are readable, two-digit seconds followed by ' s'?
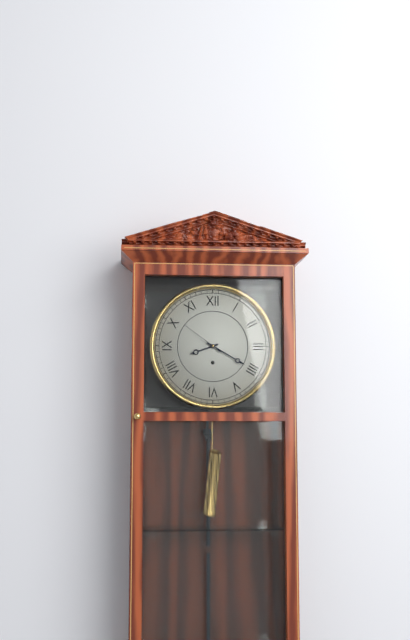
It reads 8 h 20 min
